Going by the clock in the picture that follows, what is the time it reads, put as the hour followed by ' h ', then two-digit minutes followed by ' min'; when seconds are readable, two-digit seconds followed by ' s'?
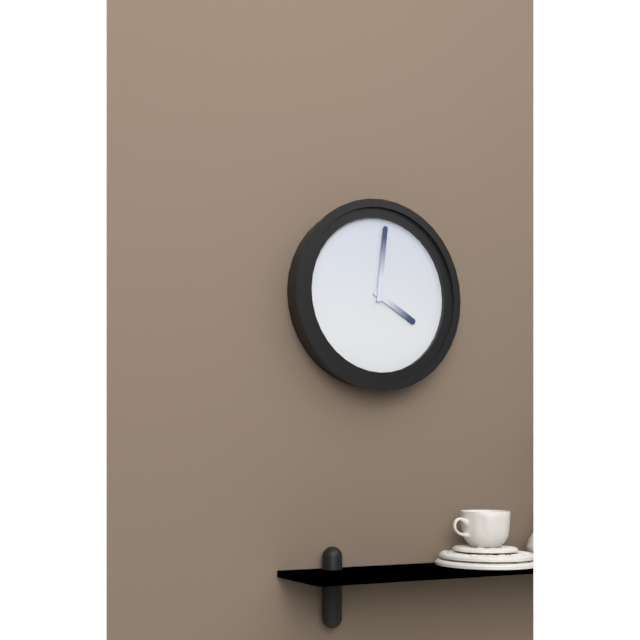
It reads 4 h 01 min
